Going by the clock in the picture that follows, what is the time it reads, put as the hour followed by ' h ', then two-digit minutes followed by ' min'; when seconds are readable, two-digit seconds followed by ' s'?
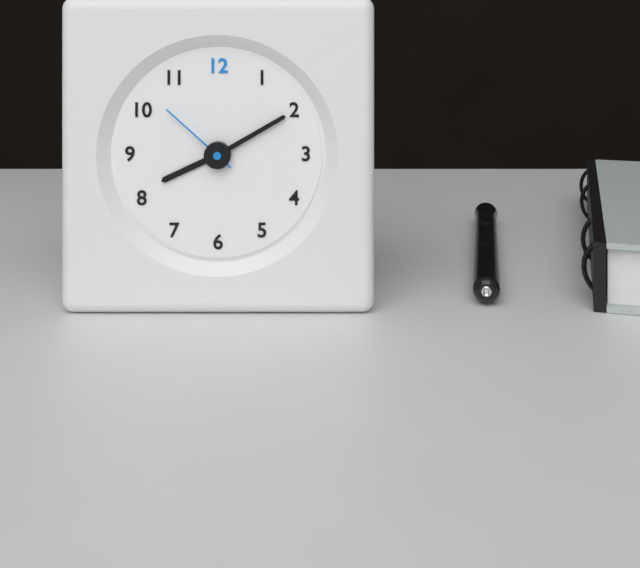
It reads 8 h 10 min 52 s
